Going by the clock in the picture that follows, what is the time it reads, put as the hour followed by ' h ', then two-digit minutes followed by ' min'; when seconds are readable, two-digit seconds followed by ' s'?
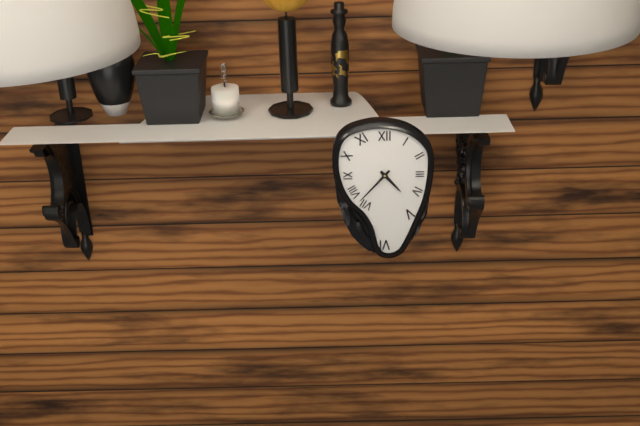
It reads 4 h 37 min
